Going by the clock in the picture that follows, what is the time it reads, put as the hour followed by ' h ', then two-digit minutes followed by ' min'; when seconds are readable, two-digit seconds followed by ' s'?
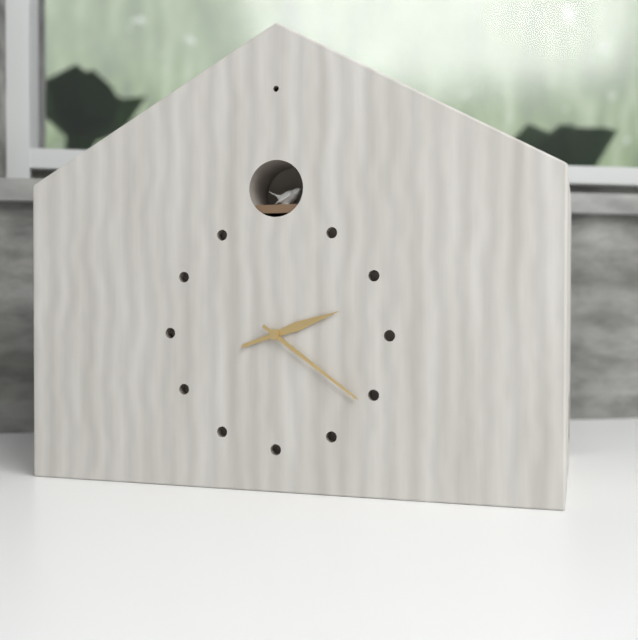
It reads 2 h 21 min
